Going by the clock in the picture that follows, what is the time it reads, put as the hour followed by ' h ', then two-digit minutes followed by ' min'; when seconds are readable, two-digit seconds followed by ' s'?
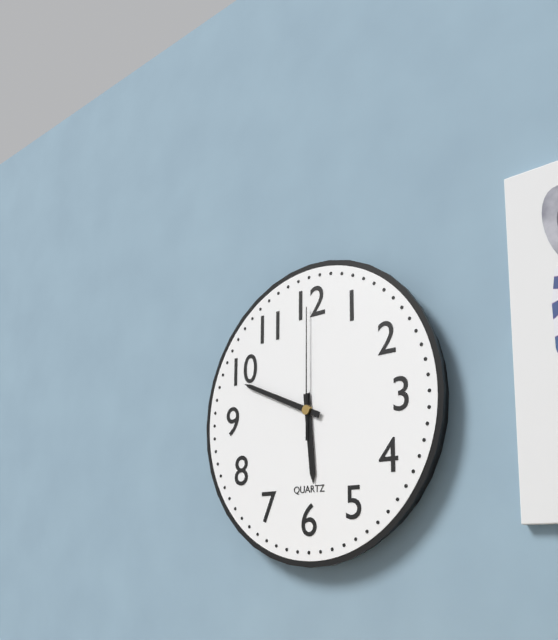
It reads 5 h 49 min 00 s
